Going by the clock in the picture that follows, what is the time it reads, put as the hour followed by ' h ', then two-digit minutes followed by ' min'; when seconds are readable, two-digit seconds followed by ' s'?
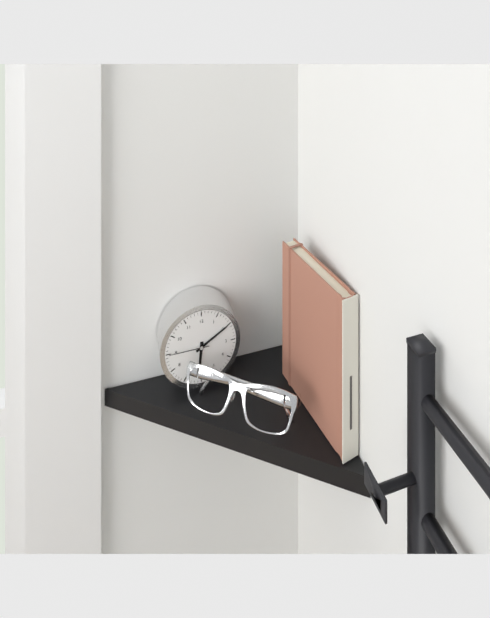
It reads 6 h 10 min
